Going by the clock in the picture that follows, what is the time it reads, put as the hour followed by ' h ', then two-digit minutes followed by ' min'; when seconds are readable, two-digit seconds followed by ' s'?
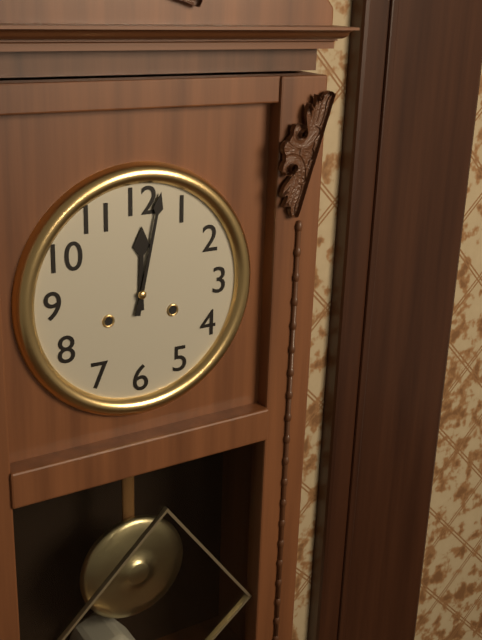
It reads 12 h 02 min
